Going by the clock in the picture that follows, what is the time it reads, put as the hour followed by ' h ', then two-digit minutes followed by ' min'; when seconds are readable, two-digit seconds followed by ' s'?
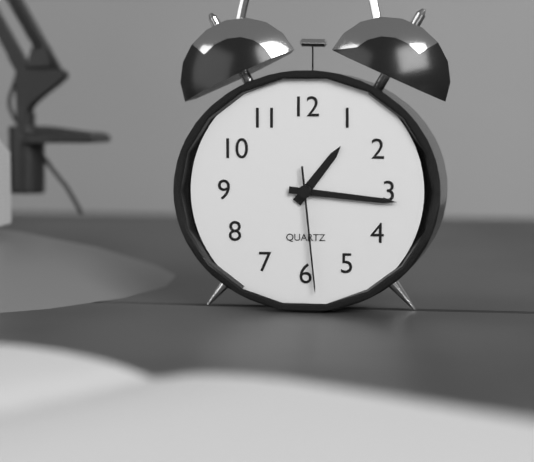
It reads 1 h 16 min 29 s
